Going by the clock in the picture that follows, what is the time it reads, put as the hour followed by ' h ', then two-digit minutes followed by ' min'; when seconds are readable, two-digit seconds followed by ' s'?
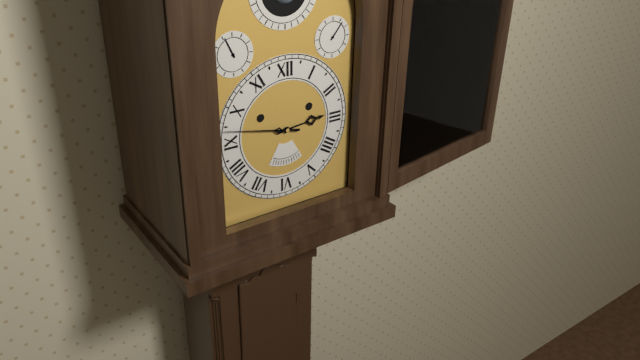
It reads 2 h 47 min
